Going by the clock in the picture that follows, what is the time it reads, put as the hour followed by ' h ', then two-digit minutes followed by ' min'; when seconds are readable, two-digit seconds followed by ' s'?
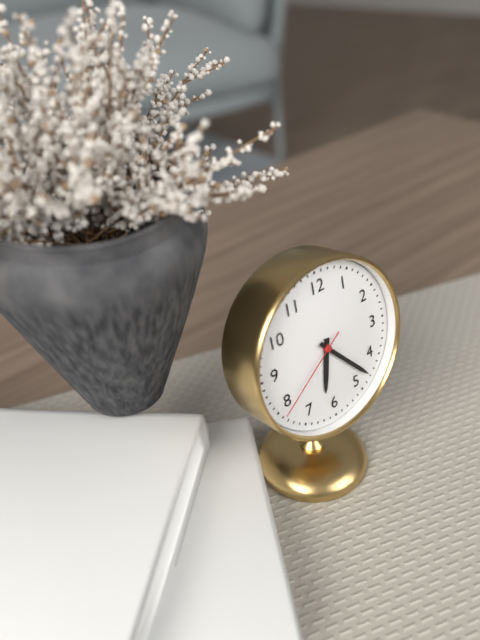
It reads 6 h 23 min 39 s
